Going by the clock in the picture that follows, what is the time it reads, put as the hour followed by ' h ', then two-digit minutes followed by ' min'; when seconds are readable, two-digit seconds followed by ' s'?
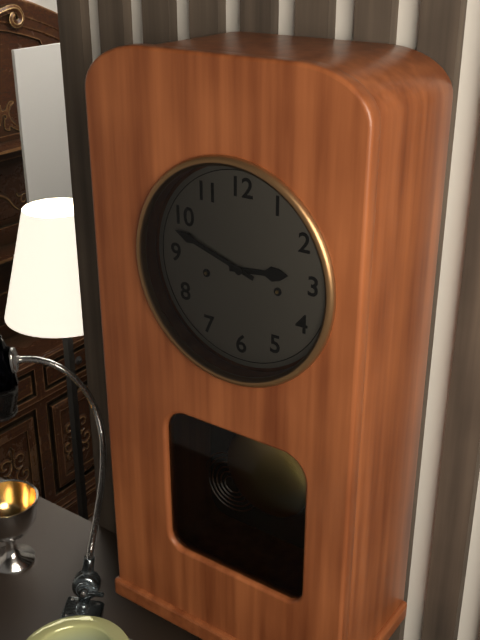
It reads 2 h 48 min
